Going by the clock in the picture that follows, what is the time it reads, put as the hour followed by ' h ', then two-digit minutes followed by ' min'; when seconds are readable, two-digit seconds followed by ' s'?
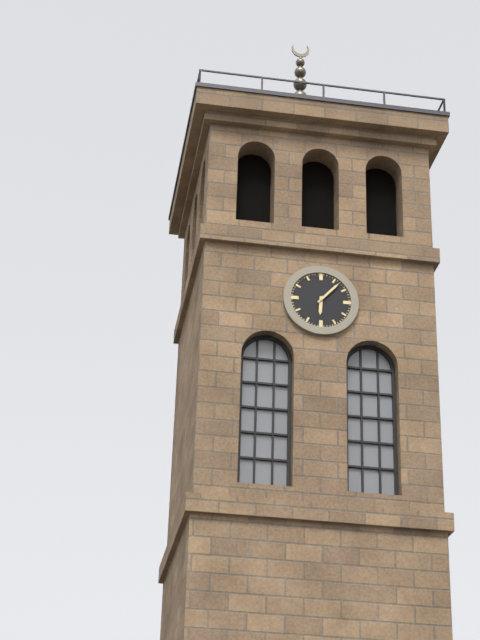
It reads 6 h 07 min
